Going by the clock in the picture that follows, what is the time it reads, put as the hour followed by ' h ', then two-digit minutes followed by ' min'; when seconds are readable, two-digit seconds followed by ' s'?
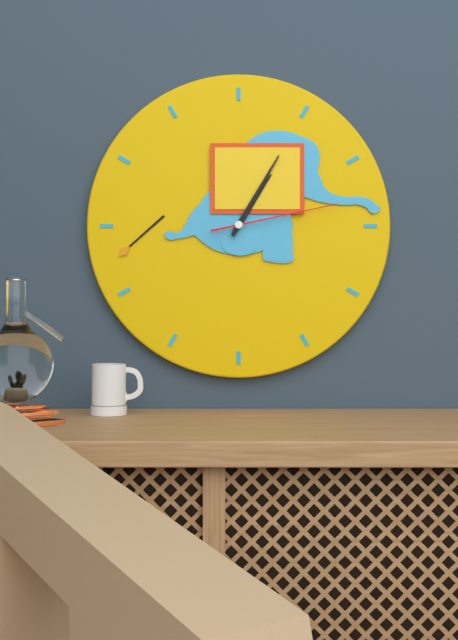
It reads 1 h 05 min 13 s
